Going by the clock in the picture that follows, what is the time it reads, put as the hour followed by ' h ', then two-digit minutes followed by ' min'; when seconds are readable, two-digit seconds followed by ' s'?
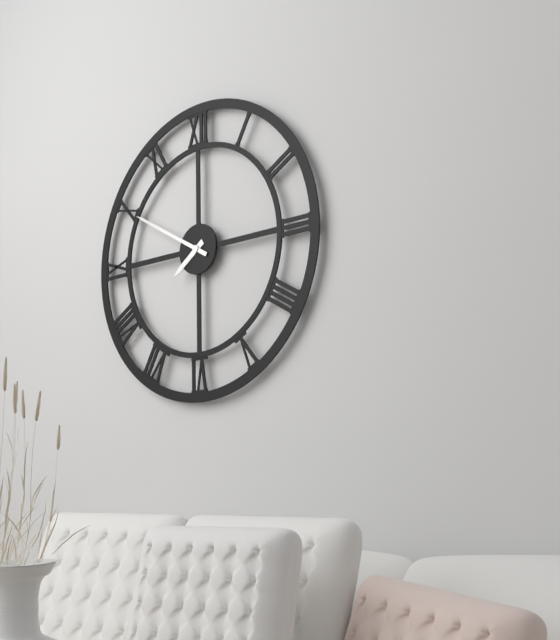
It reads 7 h 50 min
